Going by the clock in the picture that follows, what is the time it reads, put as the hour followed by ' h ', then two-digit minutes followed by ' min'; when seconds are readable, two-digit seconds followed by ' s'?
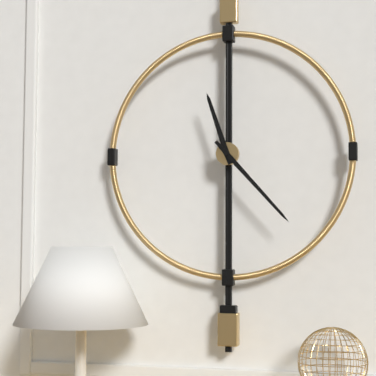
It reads 11 h 23 min
